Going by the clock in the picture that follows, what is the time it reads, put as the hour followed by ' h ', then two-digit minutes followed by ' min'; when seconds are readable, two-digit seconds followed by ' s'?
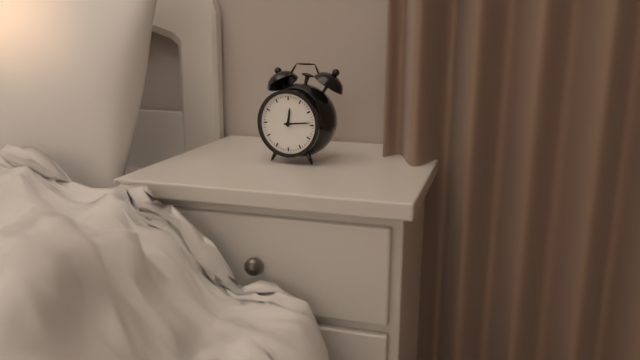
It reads 12 h 14 min
